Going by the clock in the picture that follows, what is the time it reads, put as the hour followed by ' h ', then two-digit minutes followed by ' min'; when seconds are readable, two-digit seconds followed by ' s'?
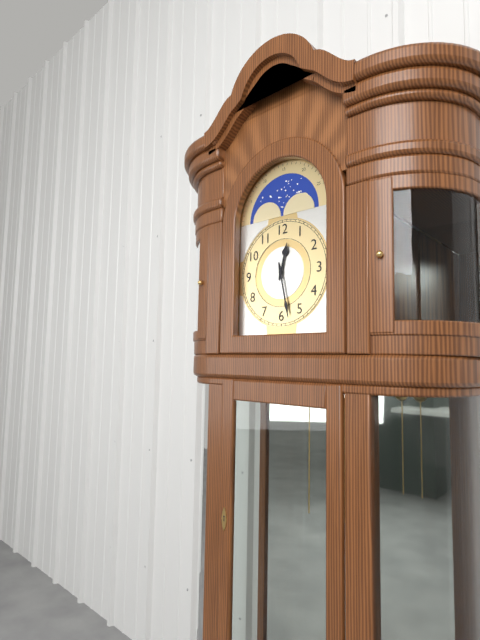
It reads 12 h 28 min
